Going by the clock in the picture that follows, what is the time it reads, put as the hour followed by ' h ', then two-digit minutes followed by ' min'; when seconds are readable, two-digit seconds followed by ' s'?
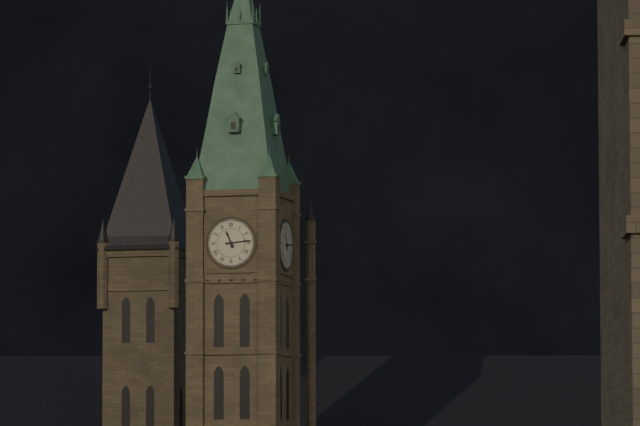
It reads 11 h 14 min
